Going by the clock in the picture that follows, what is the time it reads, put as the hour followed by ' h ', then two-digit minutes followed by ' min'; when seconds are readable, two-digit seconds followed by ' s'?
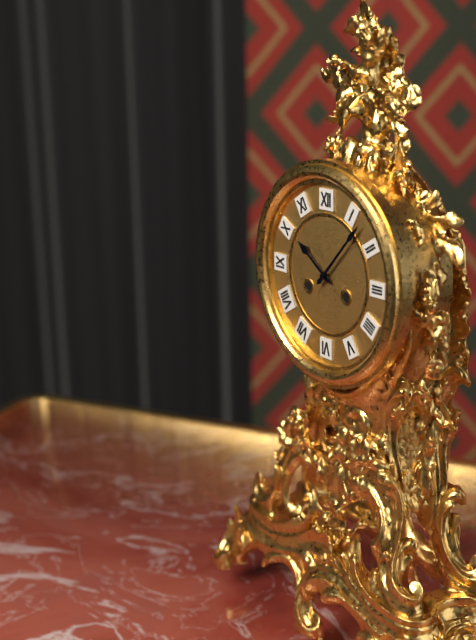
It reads 10 h 07 min
